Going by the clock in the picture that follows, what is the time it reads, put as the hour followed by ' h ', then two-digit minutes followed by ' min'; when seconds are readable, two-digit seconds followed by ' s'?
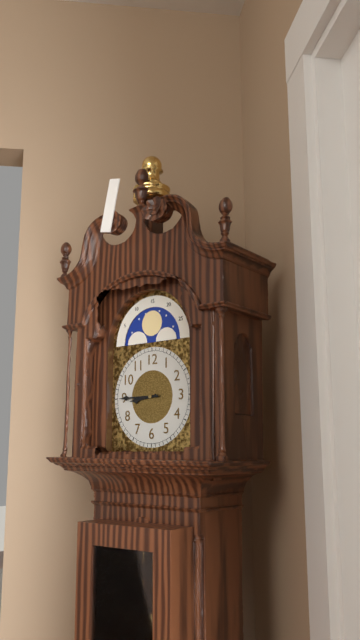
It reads 8 h 45 min
